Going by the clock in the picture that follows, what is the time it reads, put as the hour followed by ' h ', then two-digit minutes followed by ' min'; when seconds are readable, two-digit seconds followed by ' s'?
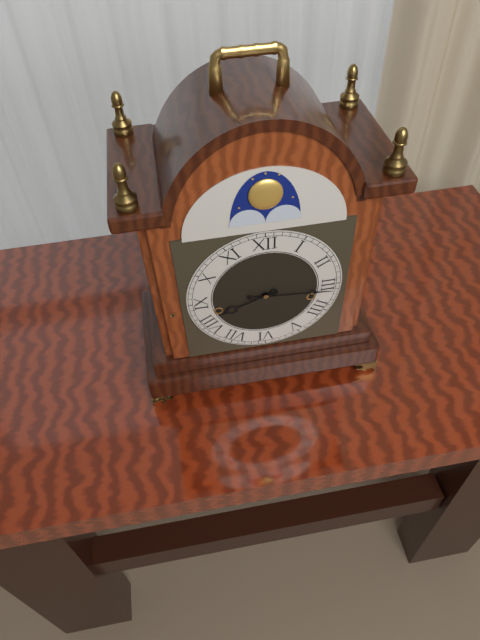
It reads 8 h 16 min
